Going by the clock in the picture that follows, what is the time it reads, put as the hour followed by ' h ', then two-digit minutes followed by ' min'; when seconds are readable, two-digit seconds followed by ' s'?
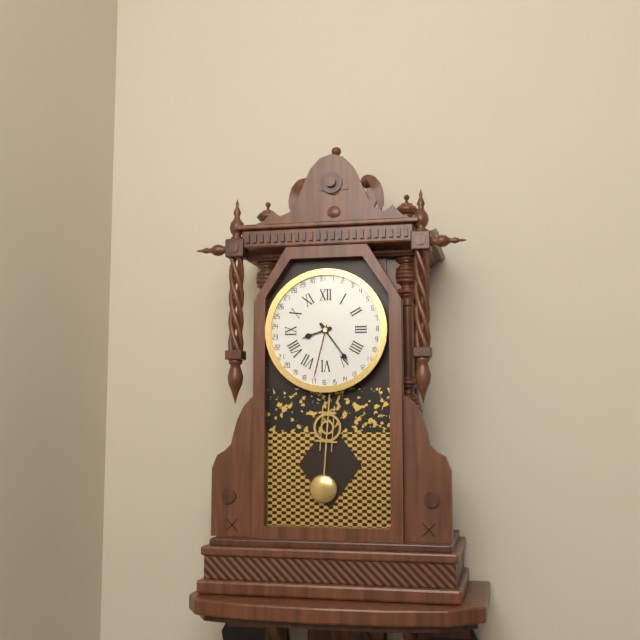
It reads 8 h 24 min
